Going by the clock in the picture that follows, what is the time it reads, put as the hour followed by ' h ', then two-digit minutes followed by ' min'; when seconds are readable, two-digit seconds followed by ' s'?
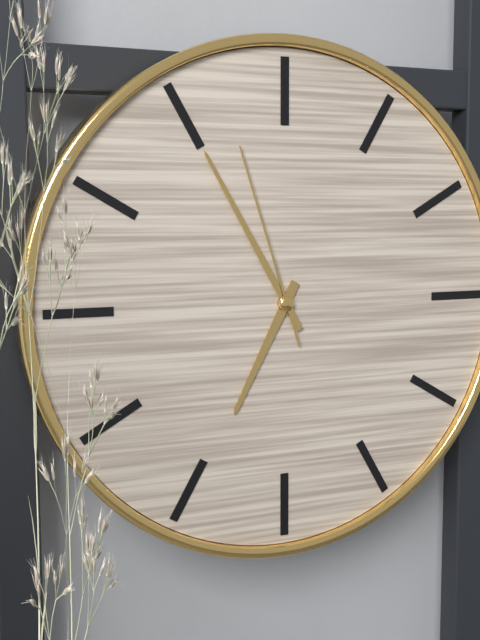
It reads 6 h 55 min 57 s
